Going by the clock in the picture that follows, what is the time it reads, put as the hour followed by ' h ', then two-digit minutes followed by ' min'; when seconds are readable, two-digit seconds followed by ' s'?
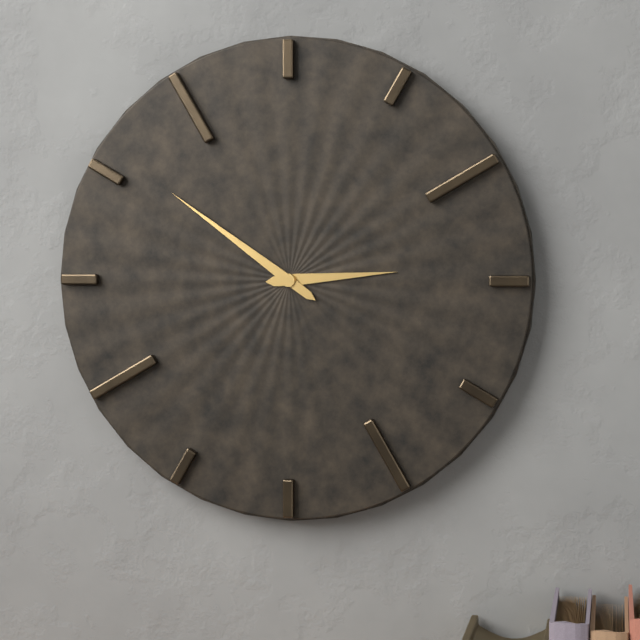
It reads 2 h 51 min
